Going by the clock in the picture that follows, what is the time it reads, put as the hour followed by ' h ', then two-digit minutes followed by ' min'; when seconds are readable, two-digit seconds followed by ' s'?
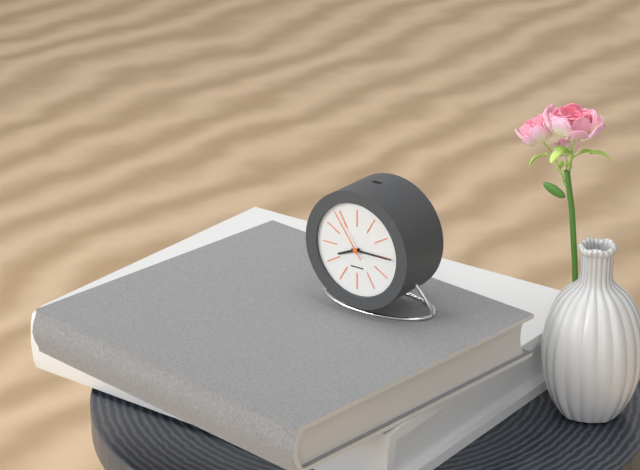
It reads 8 h 15 min 54 s
